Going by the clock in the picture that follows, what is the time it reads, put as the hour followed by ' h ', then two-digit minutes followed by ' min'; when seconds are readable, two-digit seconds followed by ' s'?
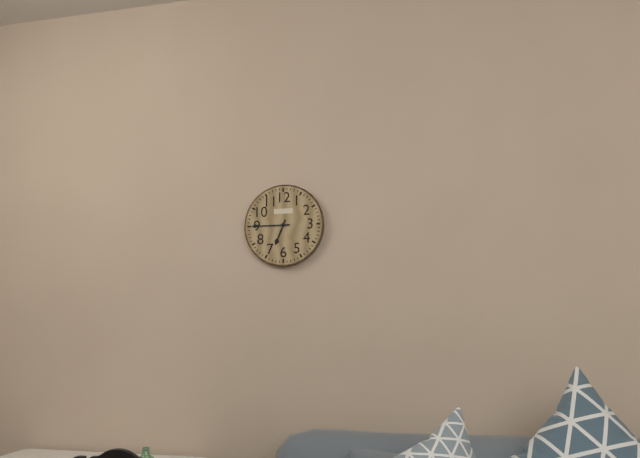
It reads 6 h 45 min
